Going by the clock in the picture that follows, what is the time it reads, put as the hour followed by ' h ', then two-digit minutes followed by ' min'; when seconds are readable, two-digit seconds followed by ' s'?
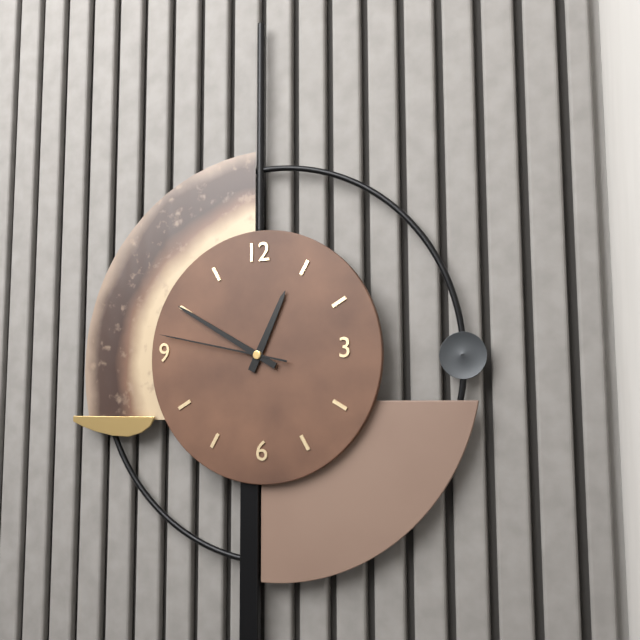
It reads 12 h 50 min 47 s
